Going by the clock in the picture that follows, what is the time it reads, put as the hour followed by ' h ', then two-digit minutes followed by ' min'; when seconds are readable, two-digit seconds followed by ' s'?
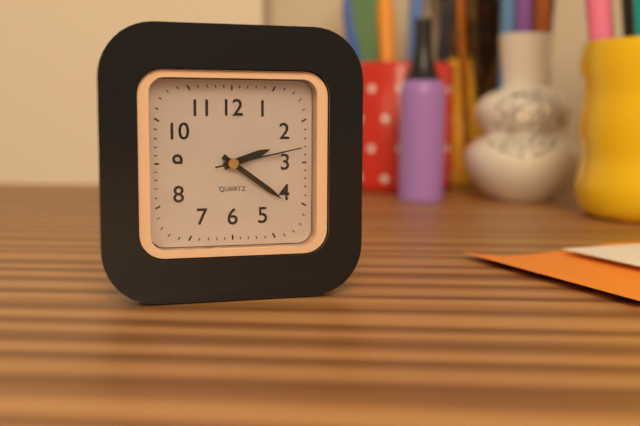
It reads 2 h 21 min 13 s
